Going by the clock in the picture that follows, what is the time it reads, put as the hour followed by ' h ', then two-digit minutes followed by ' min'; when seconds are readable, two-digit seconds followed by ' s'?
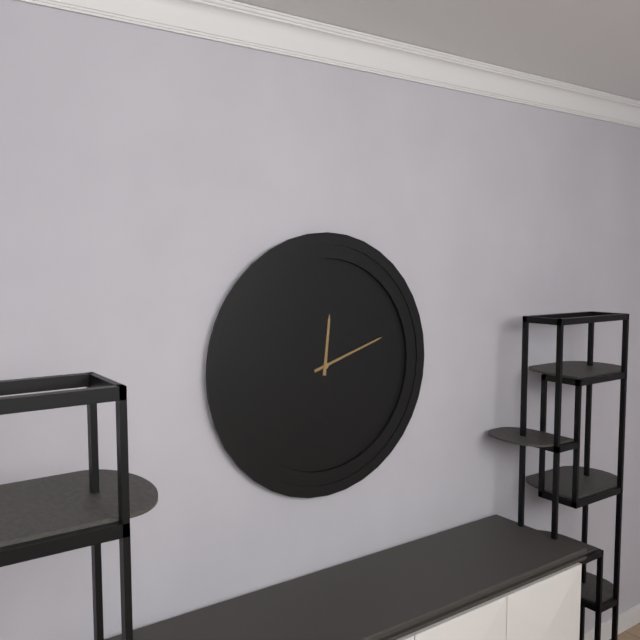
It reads 12 h 12 min
